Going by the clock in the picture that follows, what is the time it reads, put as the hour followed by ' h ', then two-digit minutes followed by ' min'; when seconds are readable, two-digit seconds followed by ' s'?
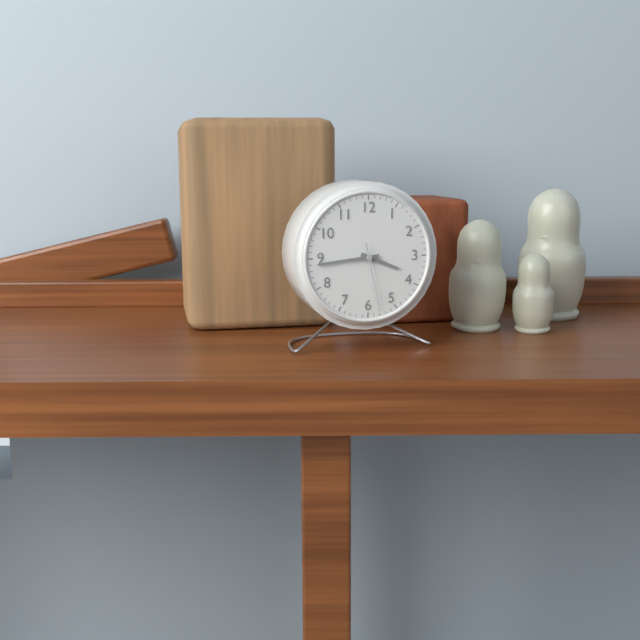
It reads 3 h 44 min 28 s
